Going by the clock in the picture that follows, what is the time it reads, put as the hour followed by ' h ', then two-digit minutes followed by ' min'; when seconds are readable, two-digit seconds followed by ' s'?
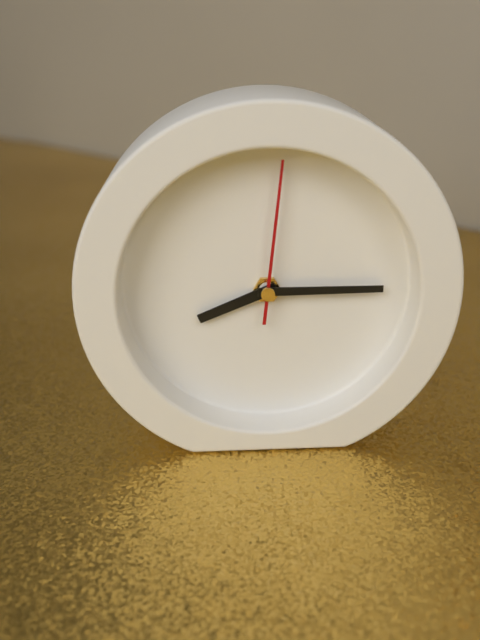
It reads 8 h 15 min 01 s
